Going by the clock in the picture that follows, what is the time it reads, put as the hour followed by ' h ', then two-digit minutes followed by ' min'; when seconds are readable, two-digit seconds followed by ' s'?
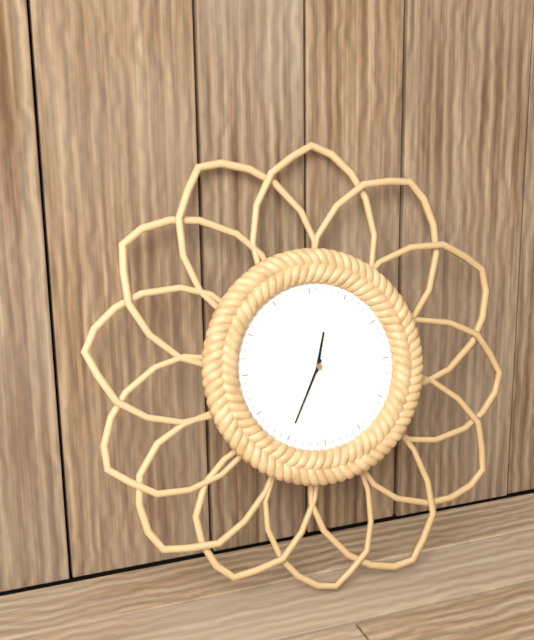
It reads 12 h 35 min
